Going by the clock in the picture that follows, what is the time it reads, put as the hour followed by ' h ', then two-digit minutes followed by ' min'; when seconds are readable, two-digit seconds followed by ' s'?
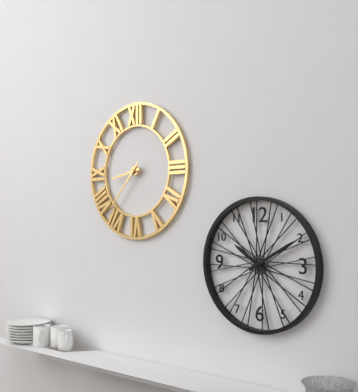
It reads 8 h 37 min
